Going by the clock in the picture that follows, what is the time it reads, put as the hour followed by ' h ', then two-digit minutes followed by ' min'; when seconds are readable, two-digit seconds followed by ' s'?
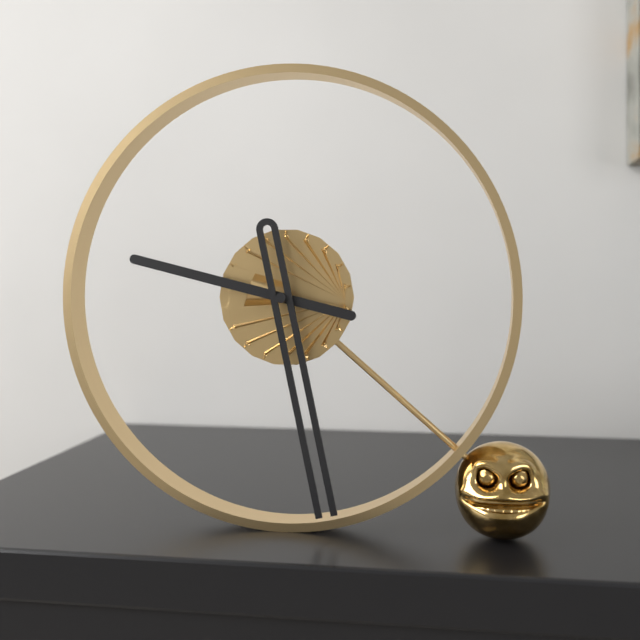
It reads 9 h 28 min
